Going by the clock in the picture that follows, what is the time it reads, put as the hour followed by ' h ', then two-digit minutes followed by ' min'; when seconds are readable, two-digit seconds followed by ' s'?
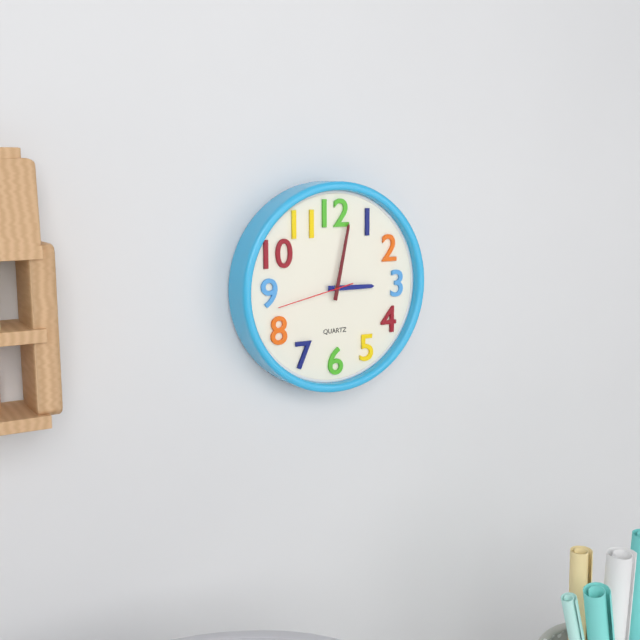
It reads 3 h 02 min 43 s
